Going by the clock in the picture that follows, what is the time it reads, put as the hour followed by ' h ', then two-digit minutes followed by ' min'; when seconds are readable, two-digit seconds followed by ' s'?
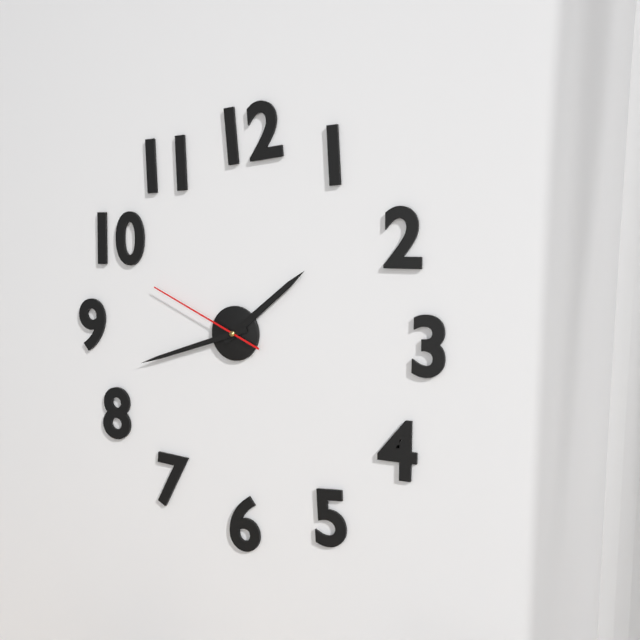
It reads 1 h 42 min 49 s
